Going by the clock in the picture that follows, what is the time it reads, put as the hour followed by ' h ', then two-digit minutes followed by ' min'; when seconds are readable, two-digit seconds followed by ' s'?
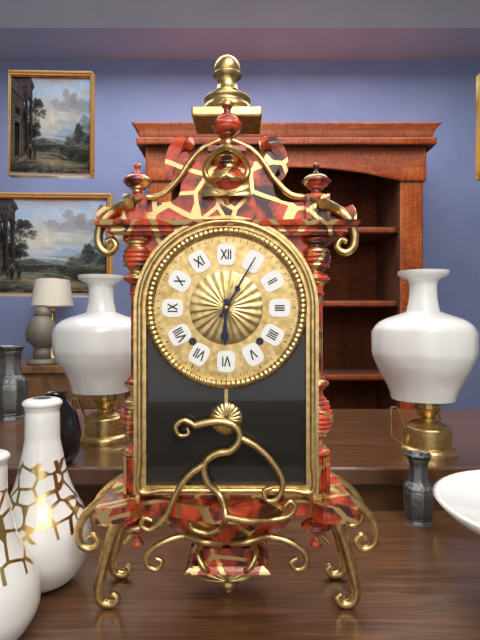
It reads 6 h 05 min
